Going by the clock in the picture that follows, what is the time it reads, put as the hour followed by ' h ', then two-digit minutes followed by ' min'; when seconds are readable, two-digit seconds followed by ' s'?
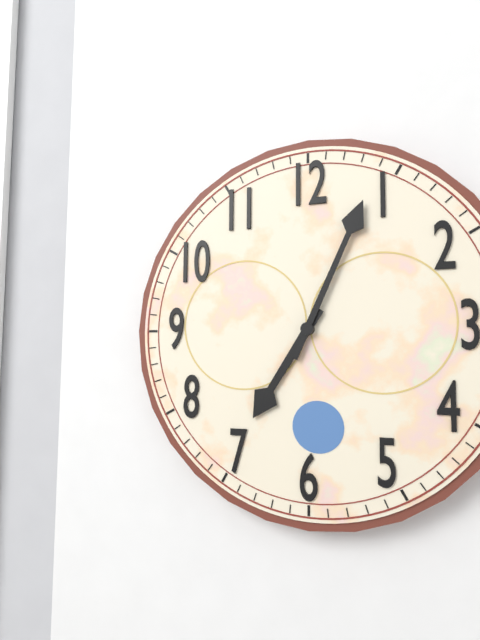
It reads 7 h 04 min
